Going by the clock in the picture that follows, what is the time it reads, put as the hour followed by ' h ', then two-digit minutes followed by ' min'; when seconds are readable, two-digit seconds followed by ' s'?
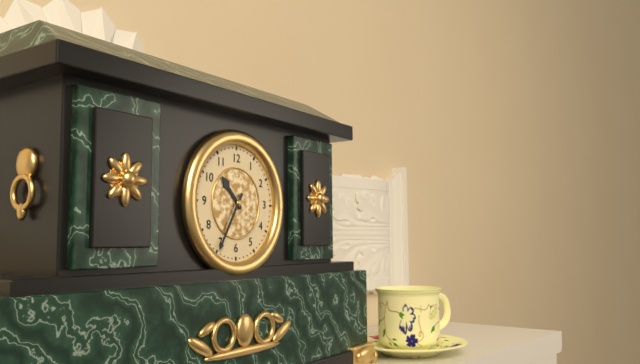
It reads 10 h 35 min
